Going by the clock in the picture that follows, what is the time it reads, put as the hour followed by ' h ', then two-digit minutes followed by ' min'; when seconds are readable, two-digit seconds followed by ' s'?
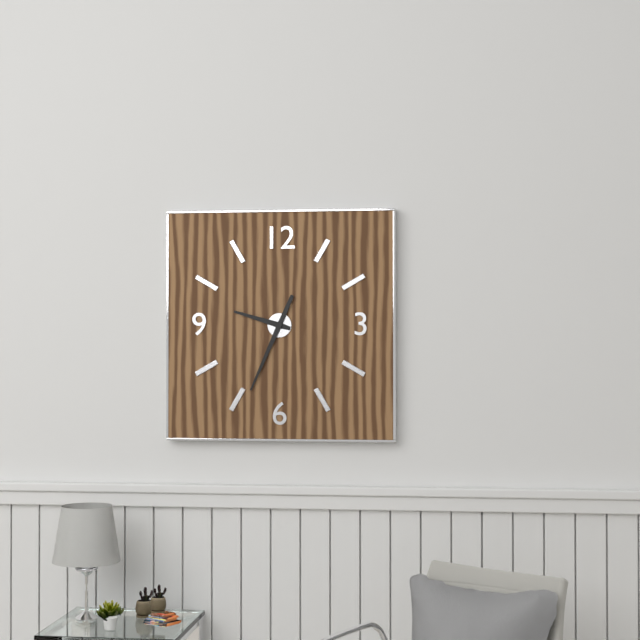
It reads 9 h 34 min
